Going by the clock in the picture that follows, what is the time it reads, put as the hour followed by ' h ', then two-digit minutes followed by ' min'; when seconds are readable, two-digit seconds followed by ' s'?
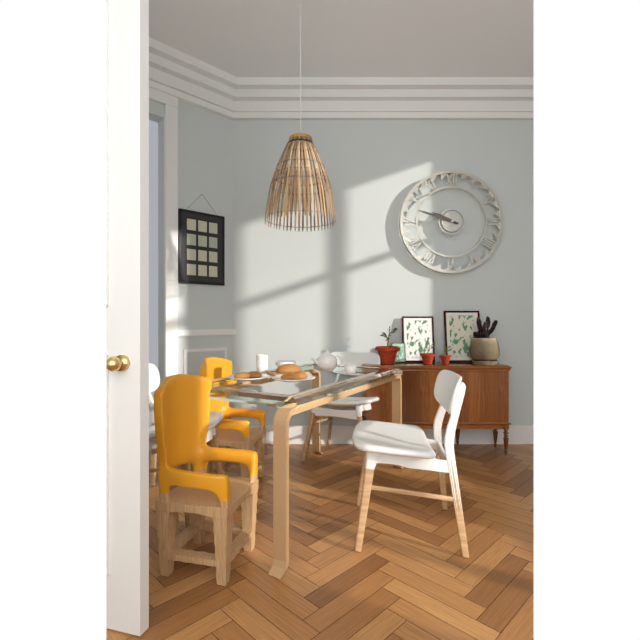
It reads 9 h 48 min
